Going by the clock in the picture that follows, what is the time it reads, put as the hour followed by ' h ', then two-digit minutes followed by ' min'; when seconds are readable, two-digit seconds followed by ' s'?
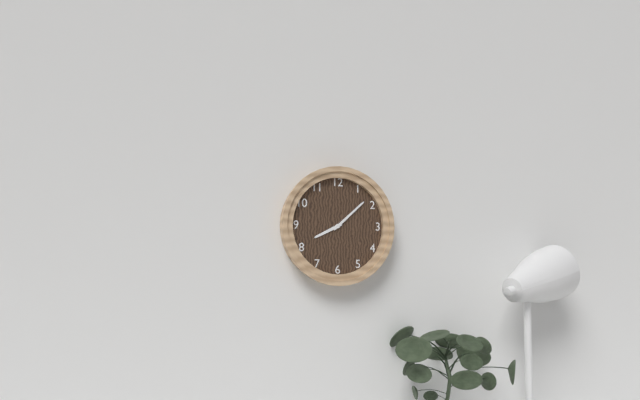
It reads 8 h 08 min
